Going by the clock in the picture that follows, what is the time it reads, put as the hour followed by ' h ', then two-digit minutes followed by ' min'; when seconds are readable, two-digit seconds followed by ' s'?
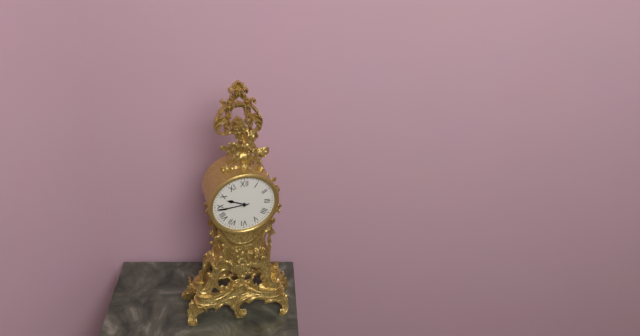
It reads 9 h 44 min
